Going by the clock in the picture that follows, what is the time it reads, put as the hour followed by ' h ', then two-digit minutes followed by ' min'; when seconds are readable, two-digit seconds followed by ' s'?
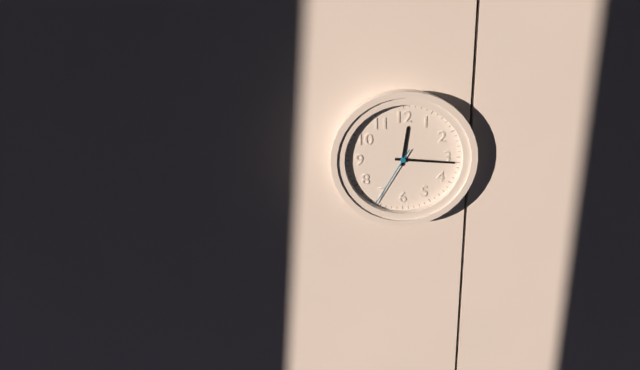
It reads 12 h 16 min 35 s
